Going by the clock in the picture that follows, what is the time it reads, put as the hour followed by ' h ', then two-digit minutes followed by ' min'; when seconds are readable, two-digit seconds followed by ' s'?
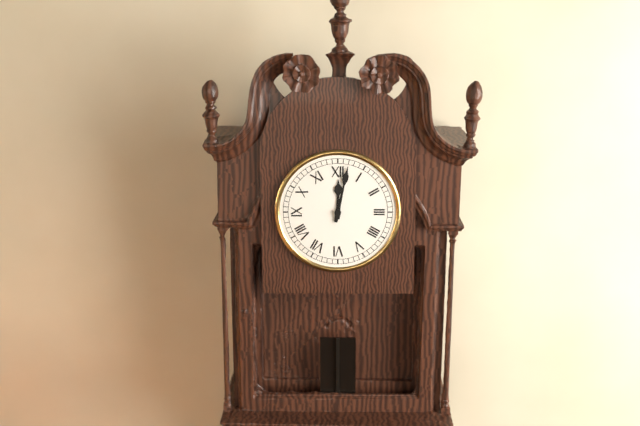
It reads 12 h 02 min
